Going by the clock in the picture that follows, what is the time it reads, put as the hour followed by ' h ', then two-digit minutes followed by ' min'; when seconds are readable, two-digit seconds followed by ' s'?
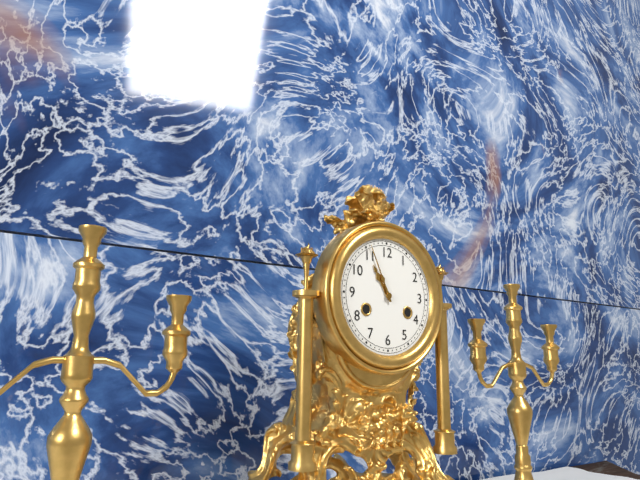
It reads 10 h 56 min
